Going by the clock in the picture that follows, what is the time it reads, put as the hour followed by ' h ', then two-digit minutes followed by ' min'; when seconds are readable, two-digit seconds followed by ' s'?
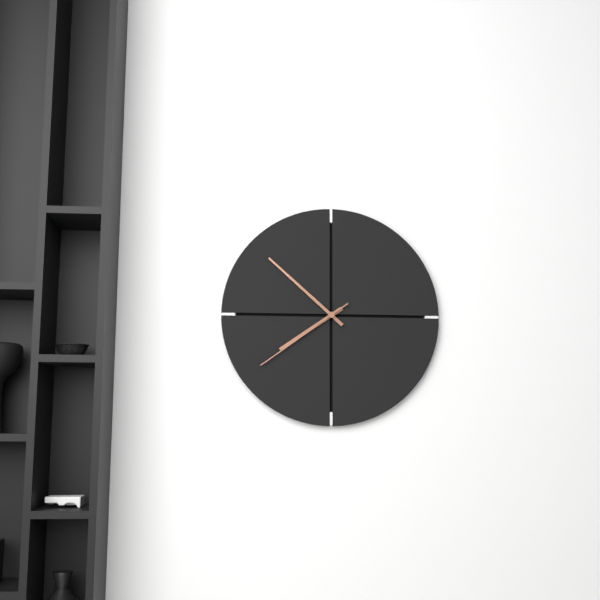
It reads 7 h 52 min 39 s
